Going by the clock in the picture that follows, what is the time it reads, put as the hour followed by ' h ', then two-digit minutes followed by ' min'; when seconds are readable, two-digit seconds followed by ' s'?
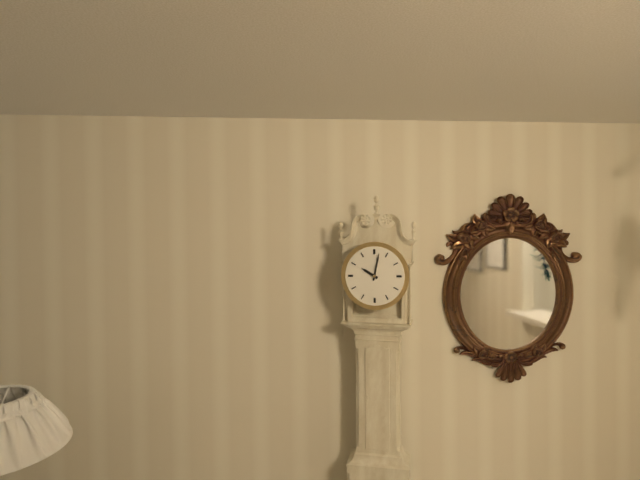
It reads 10 h 02 min
